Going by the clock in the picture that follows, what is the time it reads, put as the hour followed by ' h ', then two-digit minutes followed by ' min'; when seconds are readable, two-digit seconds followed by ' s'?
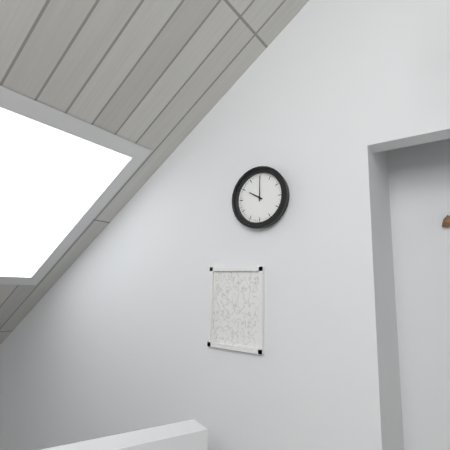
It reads 10 h 00 min
